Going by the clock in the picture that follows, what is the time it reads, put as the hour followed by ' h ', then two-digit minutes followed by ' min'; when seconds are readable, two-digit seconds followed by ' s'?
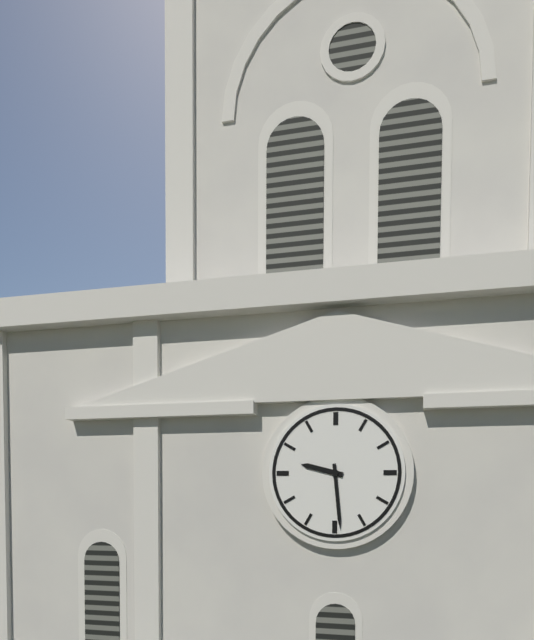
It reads 9 h 29 min
